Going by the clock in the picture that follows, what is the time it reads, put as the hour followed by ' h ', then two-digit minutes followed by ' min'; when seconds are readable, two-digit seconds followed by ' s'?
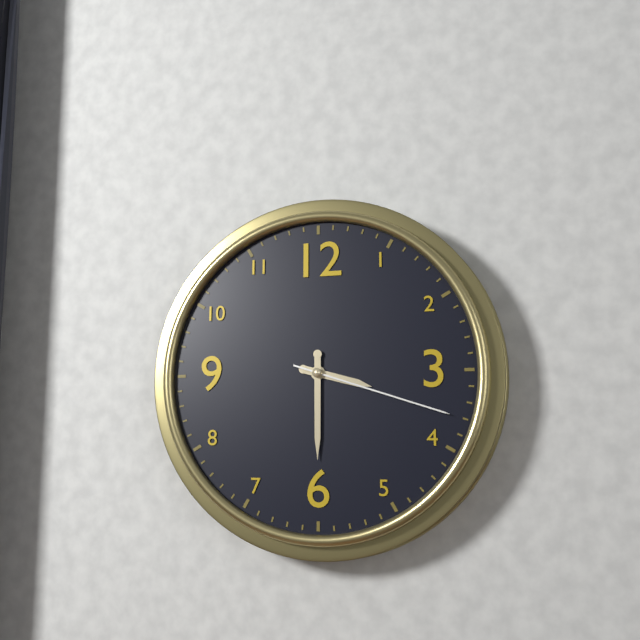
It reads 3 h 30 min 18 s
